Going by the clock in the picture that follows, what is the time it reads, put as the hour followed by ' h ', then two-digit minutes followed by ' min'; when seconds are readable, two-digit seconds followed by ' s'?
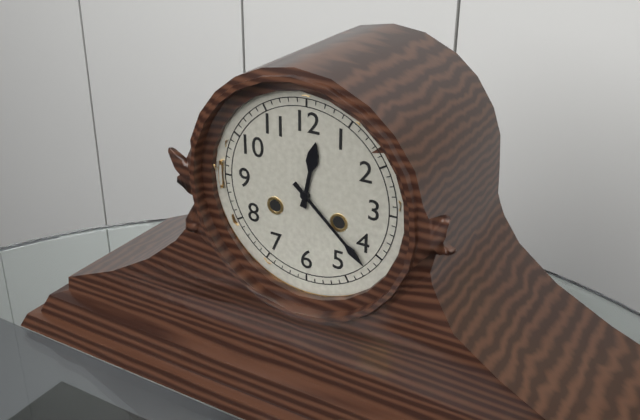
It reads 12 h 22 min
